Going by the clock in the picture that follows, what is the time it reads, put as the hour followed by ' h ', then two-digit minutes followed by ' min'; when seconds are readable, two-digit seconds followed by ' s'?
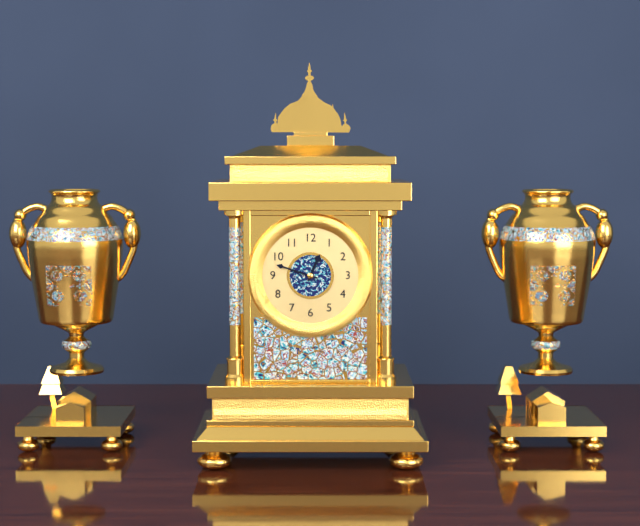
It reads 12 h 48 min
